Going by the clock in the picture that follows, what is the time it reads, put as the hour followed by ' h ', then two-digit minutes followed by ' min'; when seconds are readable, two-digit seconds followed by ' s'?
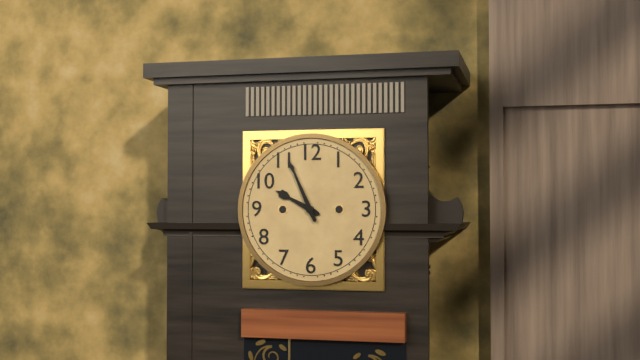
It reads 9 h 56 min
